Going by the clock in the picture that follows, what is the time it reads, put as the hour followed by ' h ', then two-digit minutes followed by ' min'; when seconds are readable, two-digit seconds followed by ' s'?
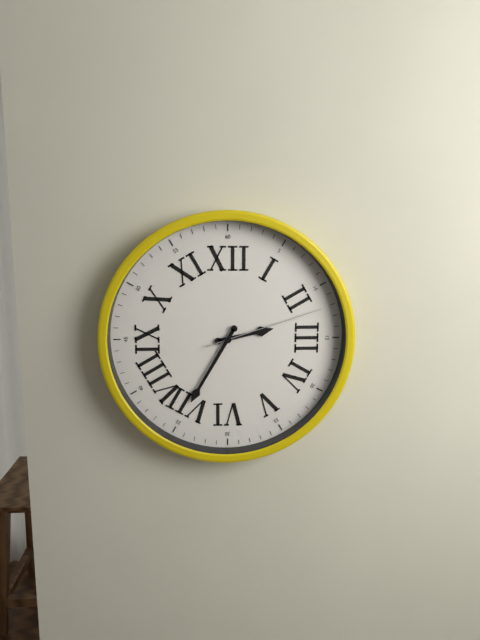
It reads 2 h 35 min 12 s
